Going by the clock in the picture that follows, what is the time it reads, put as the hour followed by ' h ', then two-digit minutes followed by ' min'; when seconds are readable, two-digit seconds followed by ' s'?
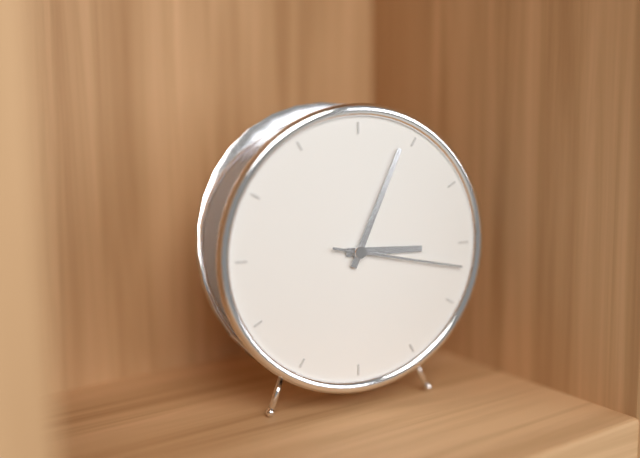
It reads 3 h 04 min 17 s
